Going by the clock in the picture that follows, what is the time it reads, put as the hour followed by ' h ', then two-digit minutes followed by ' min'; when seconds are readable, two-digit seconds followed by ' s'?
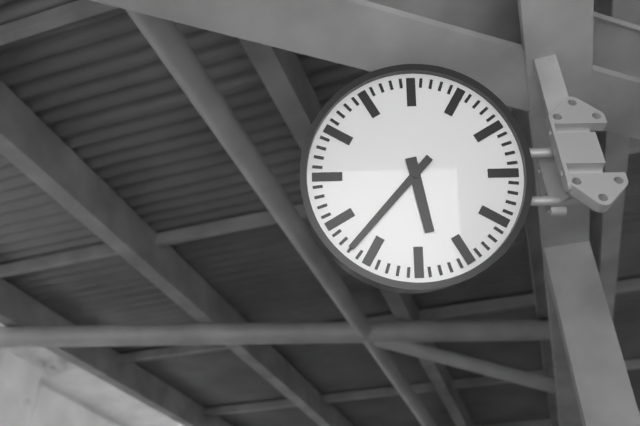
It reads 5 h 37 min
